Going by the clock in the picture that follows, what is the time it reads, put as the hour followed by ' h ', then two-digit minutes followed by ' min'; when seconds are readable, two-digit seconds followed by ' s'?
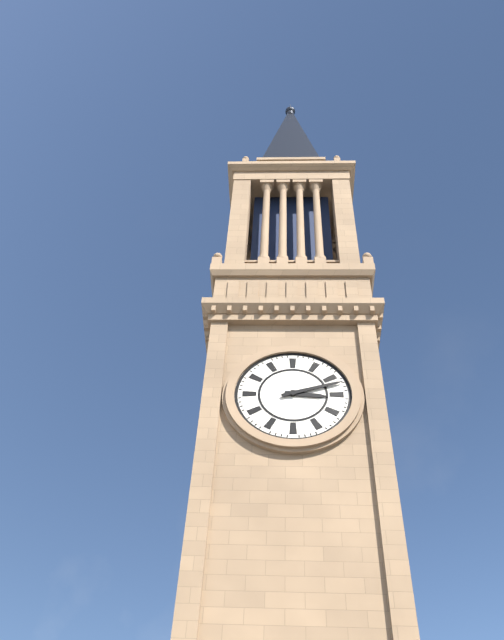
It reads 3 h 12 min
